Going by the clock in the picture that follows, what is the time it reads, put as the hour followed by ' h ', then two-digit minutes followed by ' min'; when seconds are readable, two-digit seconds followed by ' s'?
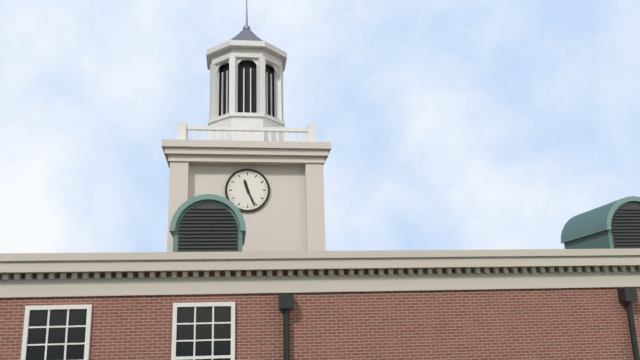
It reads 11 h 26 min
